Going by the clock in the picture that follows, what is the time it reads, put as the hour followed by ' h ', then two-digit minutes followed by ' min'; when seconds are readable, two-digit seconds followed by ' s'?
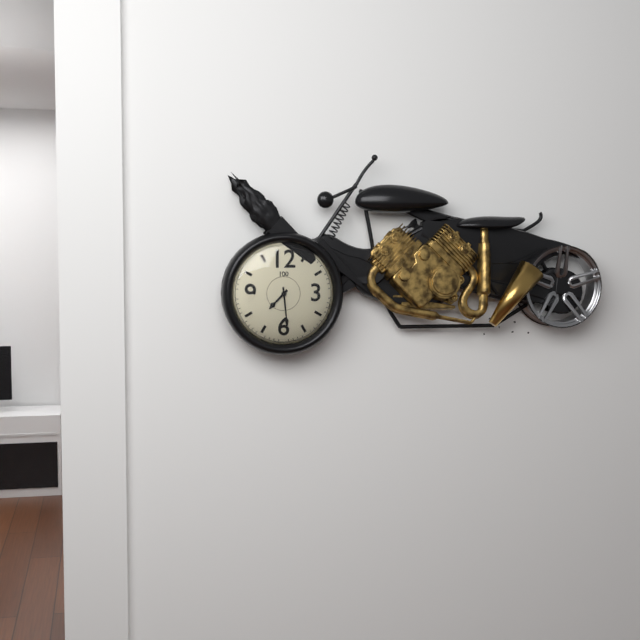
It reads 7 h 29 min
